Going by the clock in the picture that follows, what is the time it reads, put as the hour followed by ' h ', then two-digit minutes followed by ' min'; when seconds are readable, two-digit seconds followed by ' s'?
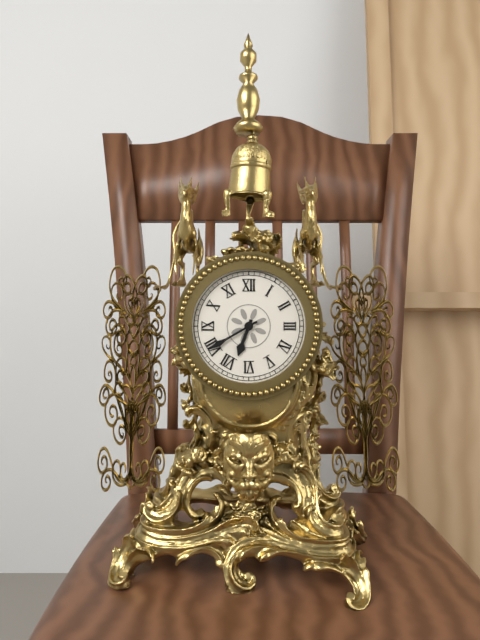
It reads 6 h 40 min
